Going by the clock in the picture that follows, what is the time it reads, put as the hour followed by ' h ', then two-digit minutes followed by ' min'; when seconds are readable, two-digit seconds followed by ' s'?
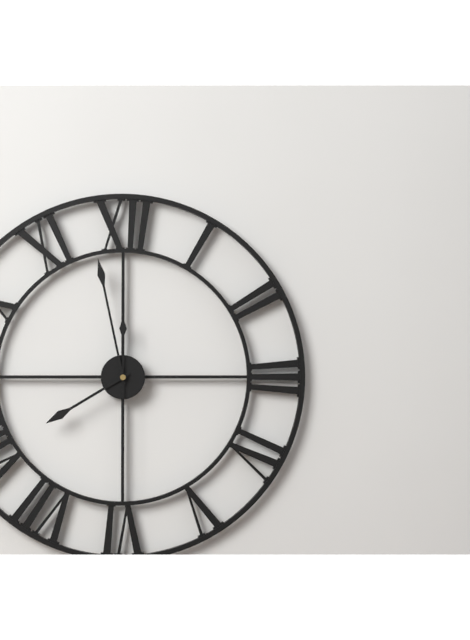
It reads 7 h 58 min 30 s
